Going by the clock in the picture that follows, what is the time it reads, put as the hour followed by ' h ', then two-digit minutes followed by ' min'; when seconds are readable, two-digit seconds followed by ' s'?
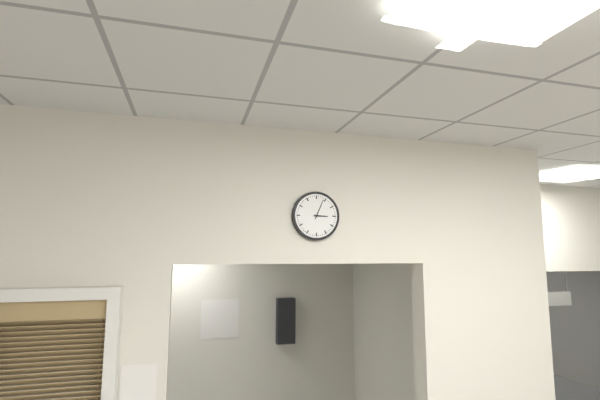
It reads 3 h 04 min
